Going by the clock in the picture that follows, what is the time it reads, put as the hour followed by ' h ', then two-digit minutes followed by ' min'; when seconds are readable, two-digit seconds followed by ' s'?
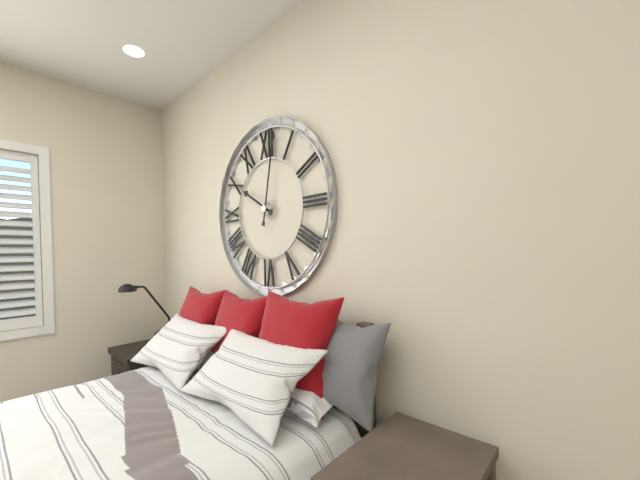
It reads 10 h 02 min
